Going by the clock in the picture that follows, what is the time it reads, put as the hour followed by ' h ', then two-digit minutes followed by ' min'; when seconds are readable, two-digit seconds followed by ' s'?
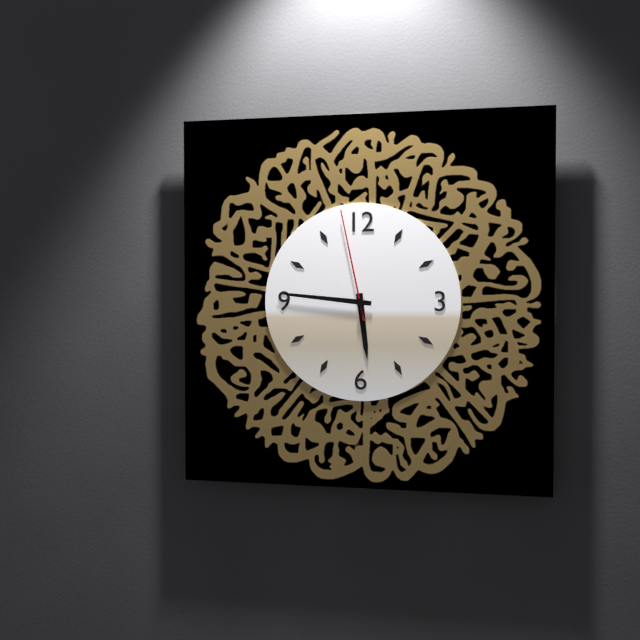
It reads 5 h 46 min 58 s
